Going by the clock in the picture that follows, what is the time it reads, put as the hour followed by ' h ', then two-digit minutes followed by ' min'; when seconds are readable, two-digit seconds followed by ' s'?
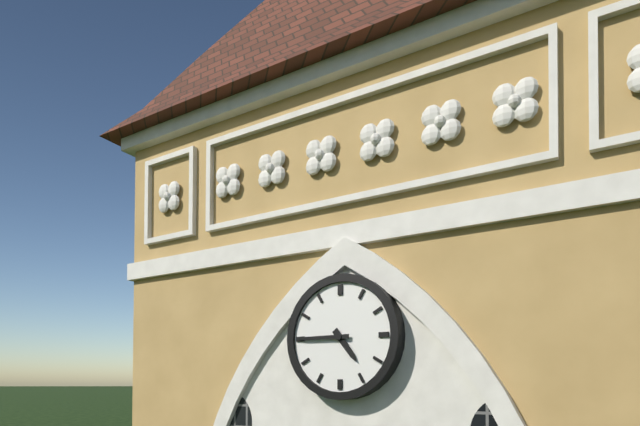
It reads 4 h 45 min
